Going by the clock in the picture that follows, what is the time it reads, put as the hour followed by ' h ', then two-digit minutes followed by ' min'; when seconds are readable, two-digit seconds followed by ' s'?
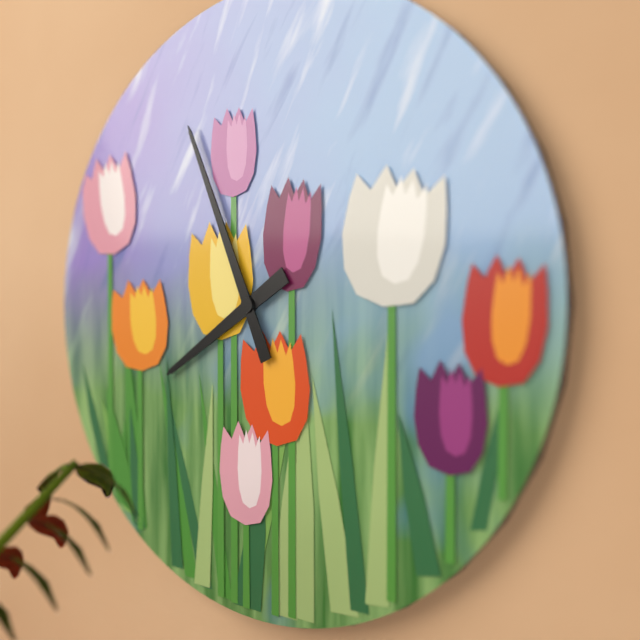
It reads 7 h 56 min
